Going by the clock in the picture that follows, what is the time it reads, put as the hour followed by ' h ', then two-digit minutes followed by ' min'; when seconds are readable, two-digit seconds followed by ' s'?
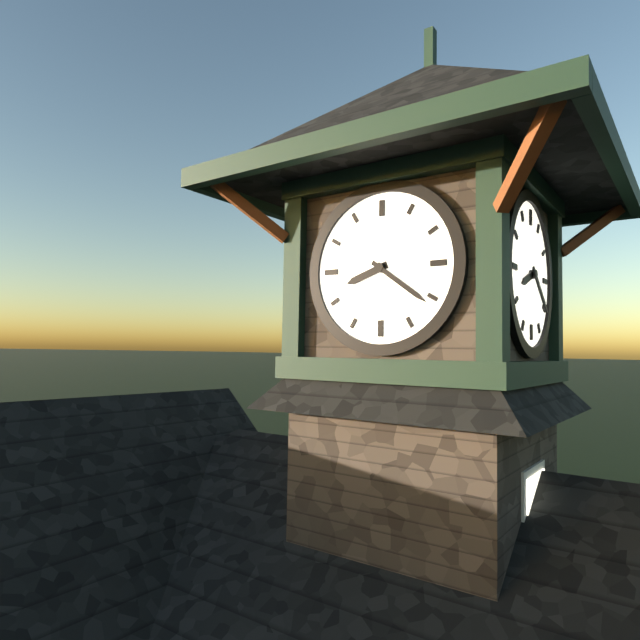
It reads 8 h 21 min
